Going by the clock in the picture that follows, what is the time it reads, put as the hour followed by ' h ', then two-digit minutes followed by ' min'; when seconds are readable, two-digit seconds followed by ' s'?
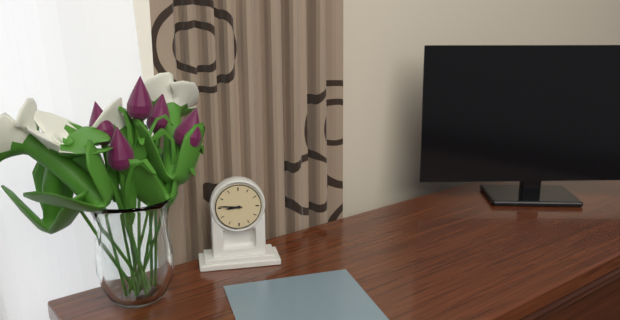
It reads 8 h 46 min
